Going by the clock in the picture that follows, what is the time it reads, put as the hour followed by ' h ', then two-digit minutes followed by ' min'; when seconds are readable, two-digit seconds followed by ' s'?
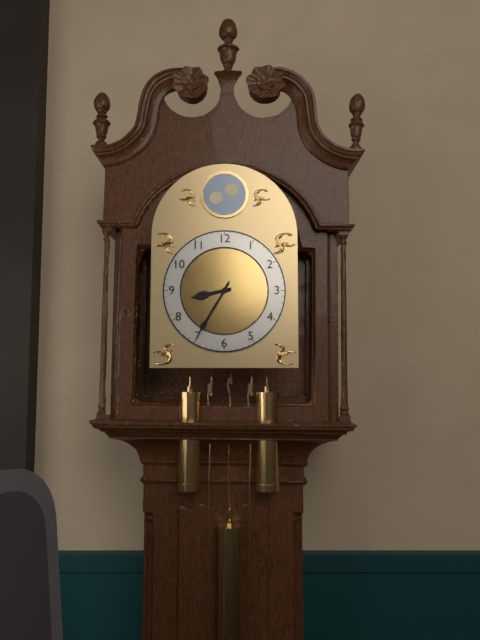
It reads 8 h 35 min
